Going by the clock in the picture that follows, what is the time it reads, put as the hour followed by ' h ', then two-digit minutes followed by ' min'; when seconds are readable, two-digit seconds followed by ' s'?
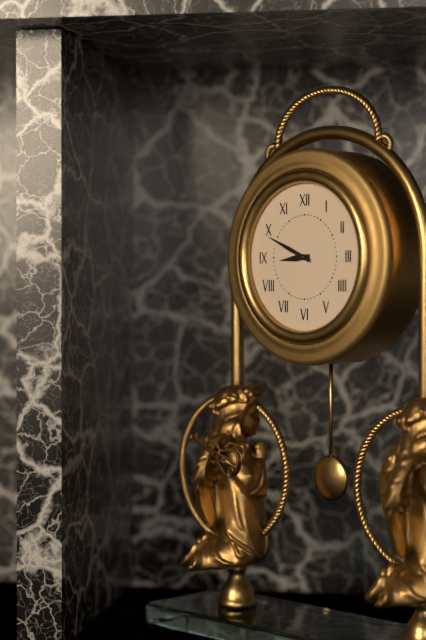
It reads 8 h 49 min
